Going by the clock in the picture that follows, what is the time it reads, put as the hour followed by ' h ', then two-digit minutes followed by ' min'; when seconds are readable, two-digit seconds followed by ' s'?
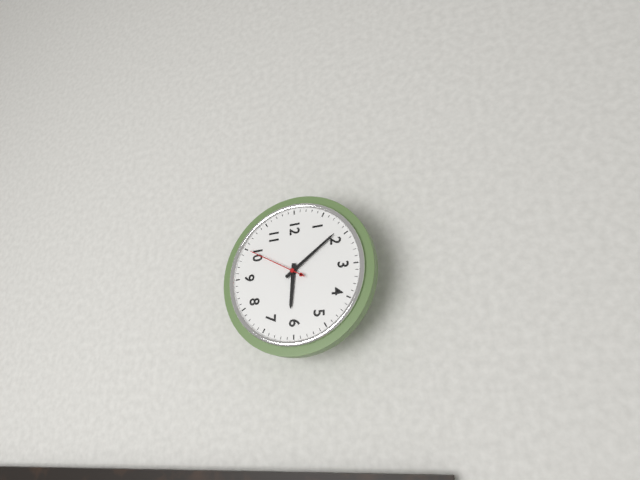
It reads 6 h 09 min 50 s
